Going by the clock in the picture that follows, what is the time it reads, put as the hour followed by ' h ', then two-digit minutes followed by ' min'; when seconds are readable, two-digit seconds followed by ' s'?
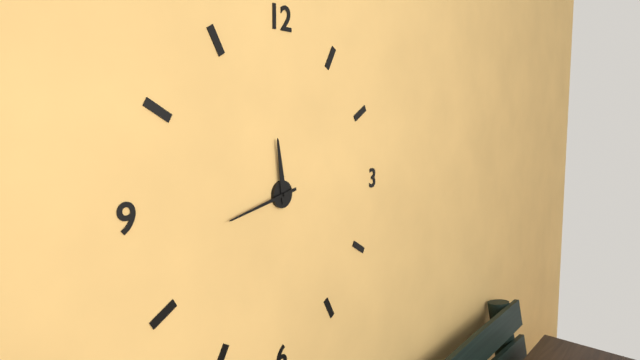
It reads 11 h 43 min
